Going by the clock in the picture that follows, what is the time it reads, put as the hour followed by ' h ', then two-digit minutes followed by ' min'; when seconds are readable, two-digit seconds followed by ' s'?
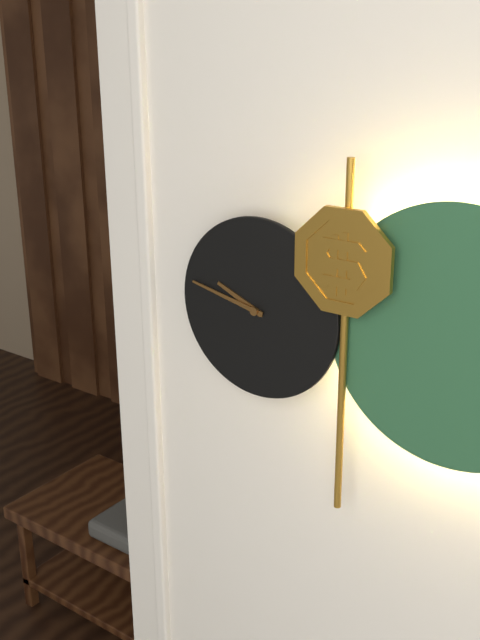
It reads 9 h 47 min
